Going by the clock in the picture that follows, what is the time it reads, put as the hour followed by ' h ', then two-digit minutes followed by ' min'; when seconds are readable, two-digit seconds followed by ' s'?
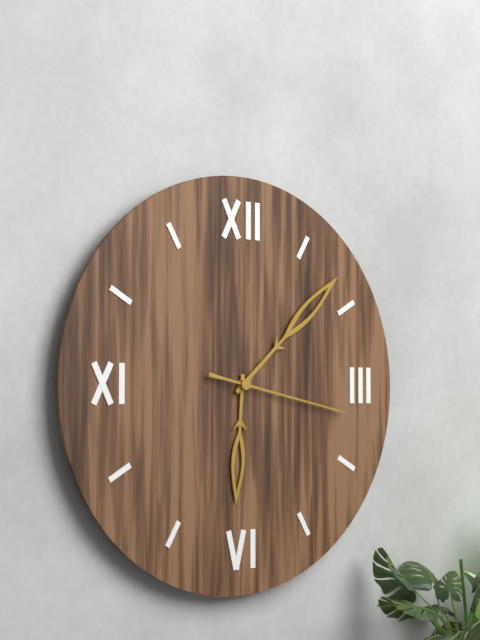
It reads 6 h 08 min 17 s
